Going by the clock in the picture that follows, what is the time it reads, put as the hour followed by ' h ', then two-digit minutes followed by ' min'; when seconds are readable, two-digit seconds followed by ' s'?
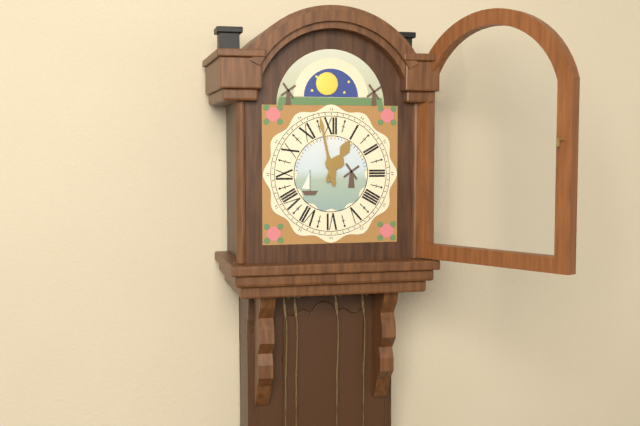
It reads 12 h 58 min
